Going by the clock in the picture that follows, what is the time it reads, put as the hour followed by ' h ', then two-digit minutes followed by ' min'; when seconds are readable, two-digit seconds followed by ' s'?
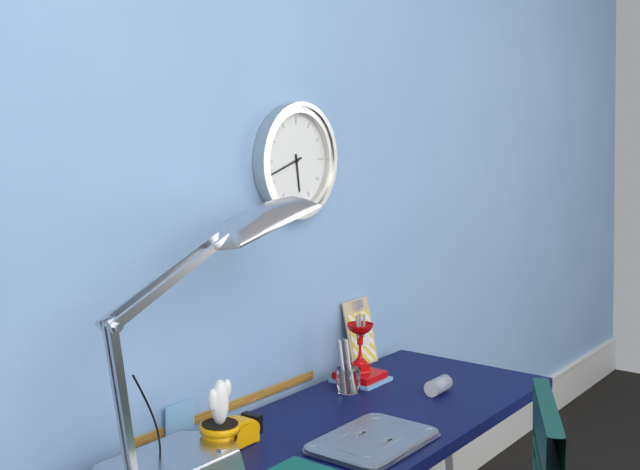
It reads 5 h 42 min
